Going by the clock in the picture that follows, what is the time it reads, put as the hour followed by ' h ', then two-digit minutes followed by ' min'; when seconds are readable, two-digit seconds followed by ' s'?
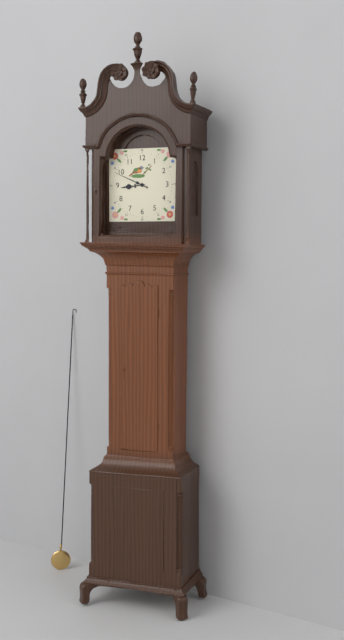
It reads 8 h 49 min
